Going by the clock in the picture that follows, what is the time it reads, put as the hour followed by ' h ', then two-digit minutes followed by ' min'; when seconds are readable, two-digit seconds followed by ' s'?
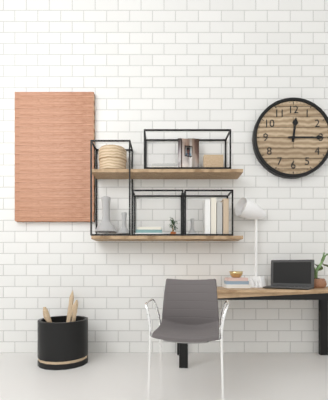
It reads 12 h 15 min
